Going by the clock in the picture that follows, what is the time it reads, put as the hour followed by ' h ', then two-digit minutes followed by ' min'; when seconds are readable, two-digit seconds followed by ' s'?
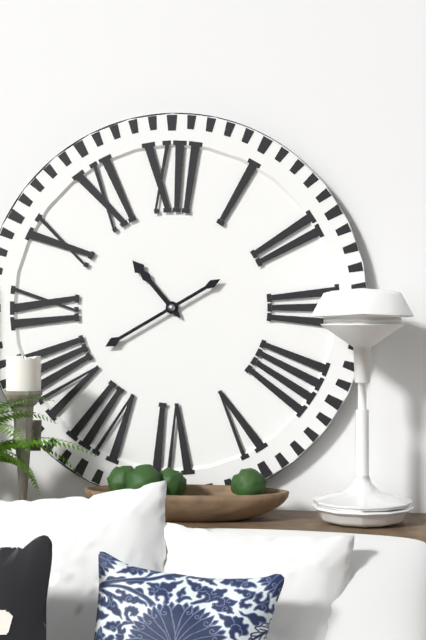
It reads 10 h 40 min
